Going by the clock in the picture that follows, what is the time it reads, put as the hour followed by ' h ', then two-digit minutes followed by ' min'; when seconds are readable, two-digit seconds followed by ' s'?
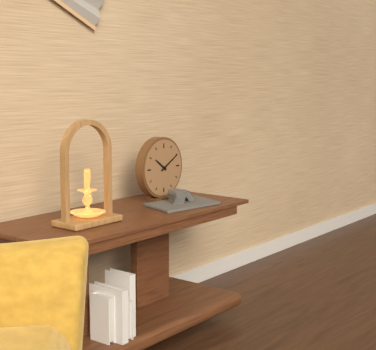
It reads 10 h 10 min
